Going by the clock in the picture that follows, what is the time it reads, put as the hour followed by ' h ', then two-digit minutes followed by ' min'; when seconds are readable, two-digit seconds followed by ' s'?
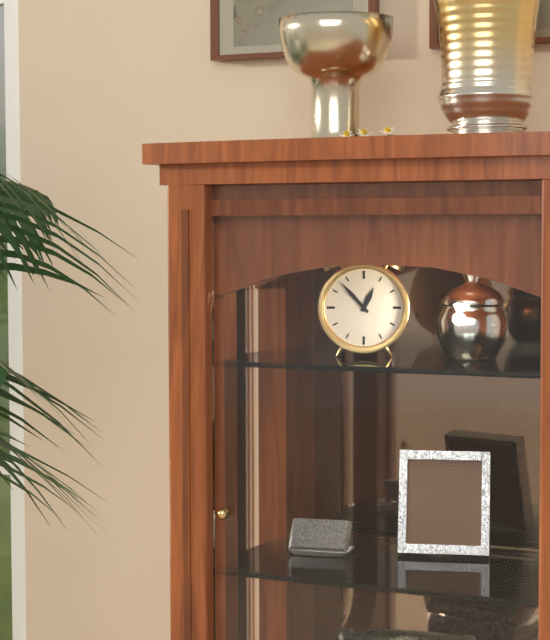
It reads 12 h 53 min
